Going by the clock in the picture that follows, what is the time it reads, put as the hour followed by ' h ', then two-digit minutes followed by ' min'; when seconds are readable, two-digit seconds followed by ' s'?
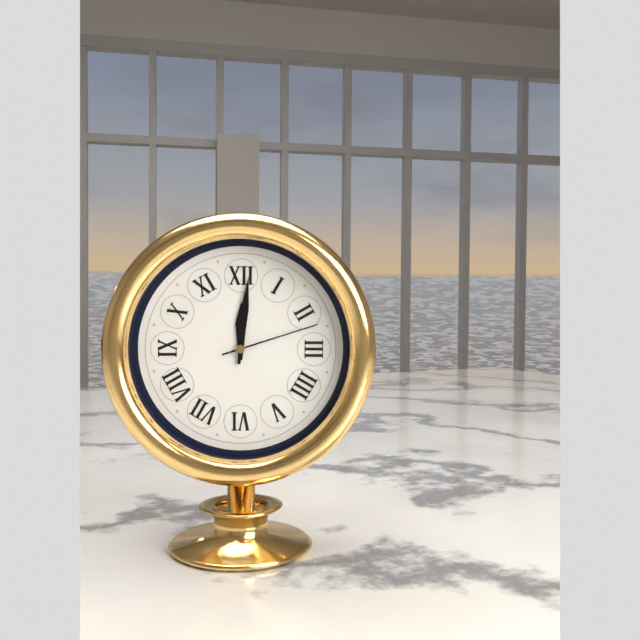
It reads 12 h 01 min 12 s
